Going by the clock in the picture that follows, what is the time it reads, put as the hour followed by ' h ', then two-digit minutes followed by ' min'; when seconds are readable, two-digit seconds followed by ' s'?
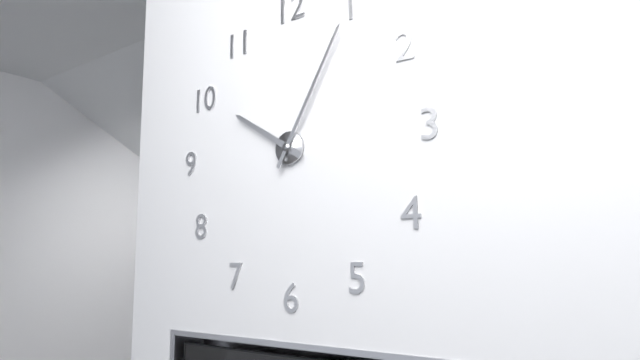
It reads 10 h 05 min
